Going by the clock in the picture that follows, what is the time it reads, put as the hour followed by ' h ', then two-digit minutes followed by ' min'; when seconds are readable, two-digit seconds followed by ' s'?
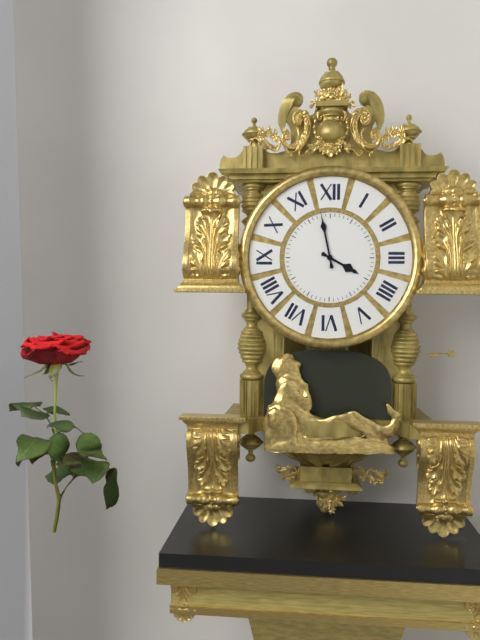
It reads 3 h 58 min
